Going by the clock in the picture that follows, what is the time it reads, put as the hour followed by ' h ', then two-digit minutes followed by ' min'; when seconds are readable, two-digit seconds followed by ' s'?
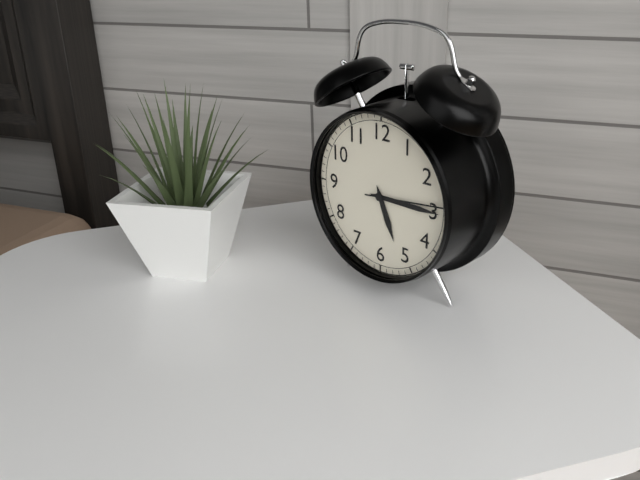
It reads 5 h 15 min 14 s
